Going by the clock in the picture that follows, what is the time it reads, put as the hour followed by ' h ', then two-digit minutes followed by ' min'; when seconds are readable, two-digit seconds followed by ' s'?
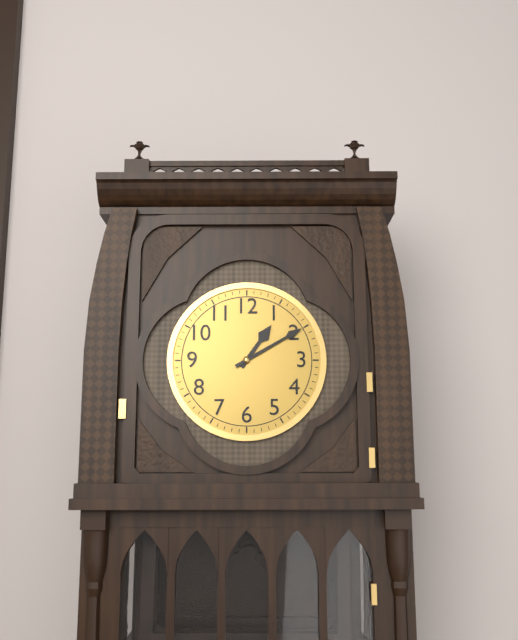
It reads 1 h 10 min
